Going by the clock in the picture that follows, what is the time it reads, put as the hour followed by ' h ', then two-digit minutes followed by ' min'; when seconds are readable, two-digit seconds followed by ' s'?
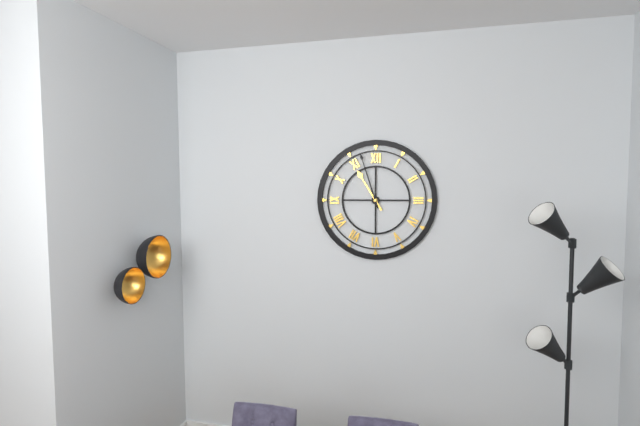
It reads 10 h 57 min
